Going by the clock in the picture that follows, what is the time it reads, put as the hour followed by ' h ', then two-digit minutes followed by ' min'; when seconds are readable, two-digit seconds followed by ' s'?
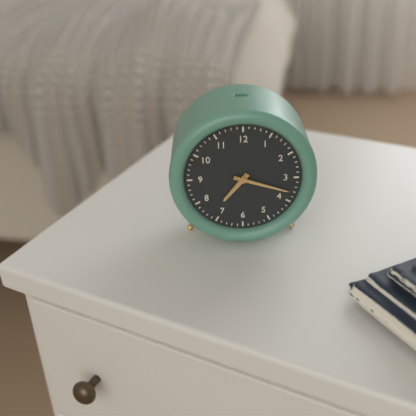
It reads 7 h 18 min
